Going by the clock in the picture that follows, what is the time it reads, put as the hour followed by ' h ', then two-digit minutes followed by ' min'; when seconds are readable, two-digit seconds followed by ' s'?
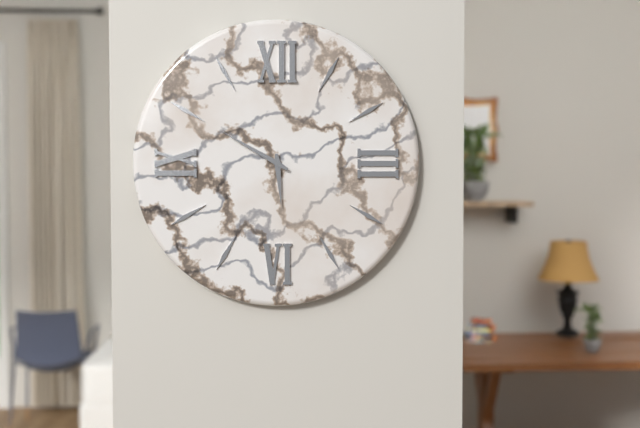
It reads 5 h 50 min
